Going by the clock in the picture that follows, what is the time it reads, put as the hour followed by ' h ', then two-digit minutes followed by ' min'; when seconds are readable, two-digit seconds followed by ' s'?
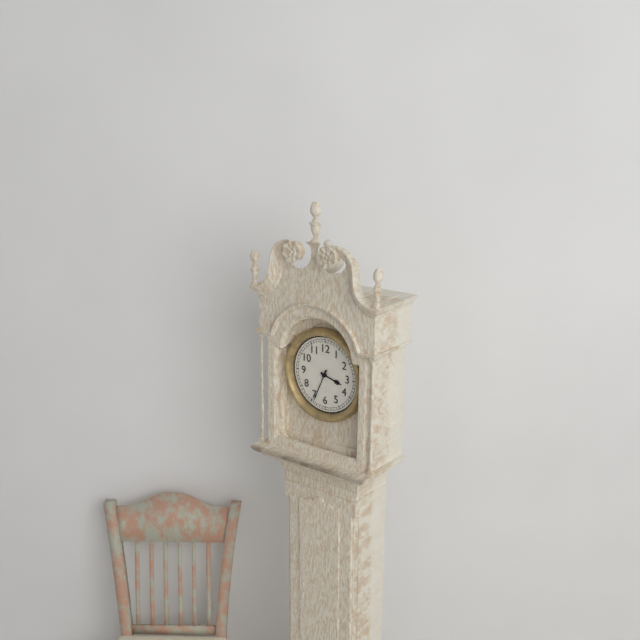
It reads 3 h 34 min
